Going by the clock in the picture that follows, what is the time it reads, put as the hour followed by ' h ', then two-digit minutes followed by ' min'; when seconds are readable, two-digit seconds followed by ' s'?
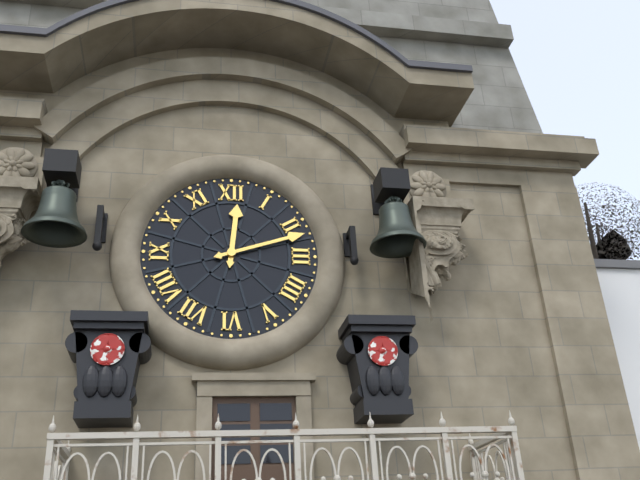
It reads 12 h 12 min
